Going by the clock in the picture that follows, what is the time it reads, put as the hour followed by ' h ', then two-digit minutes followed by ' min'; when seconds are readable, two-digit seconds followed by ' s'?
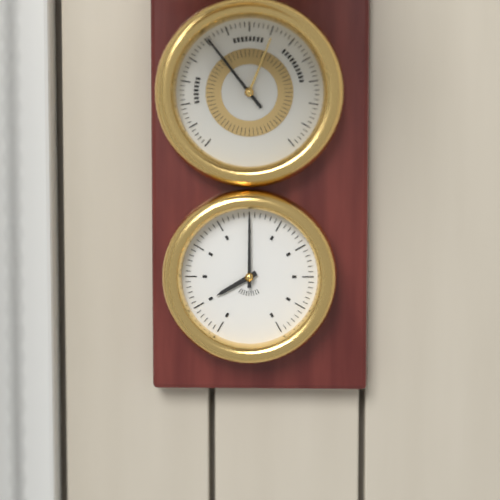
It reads 8 h 00 min
